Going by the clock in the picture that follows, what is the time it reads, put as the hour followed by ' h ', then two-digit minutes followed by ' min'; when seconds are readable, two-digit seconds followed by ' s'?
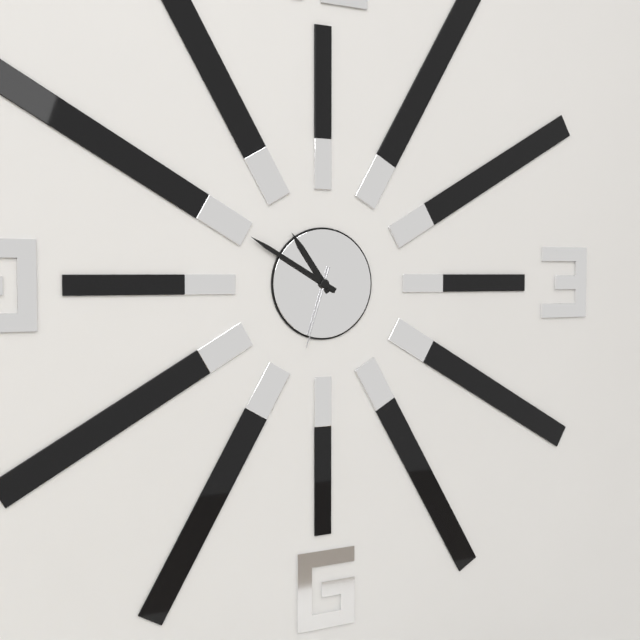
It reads 10 h 50 min 33 s
